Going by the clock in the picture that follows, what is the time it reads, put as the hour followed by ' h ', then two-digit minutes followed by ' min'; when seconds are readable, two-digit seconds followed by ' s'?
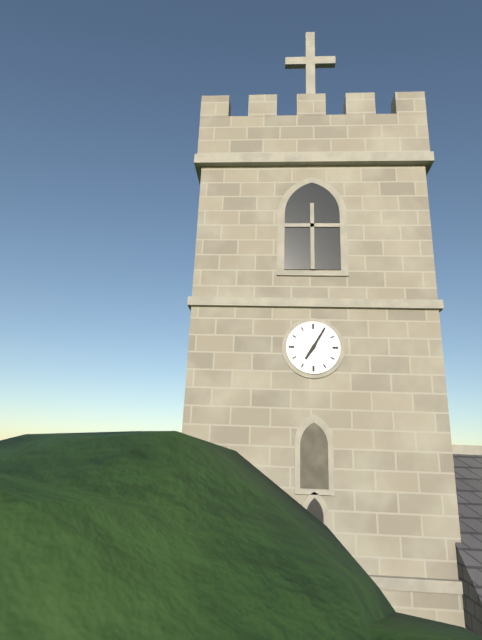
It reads 7 h 05 min
